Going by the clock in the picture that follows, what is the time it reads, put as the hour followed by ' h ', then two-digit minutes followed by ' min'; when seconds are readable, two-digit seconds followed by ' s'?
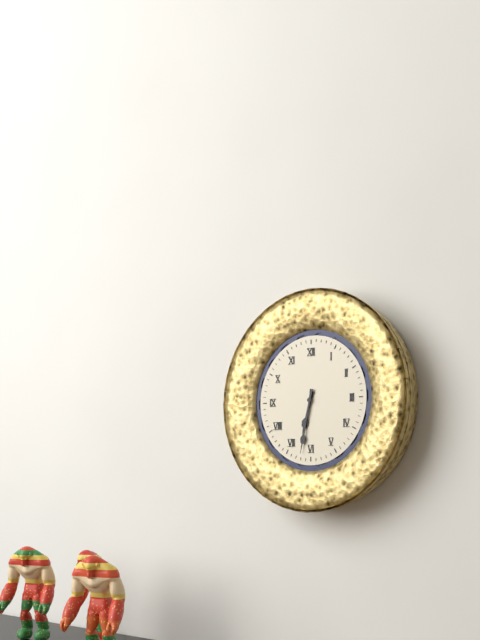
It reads 6 h 32 min
